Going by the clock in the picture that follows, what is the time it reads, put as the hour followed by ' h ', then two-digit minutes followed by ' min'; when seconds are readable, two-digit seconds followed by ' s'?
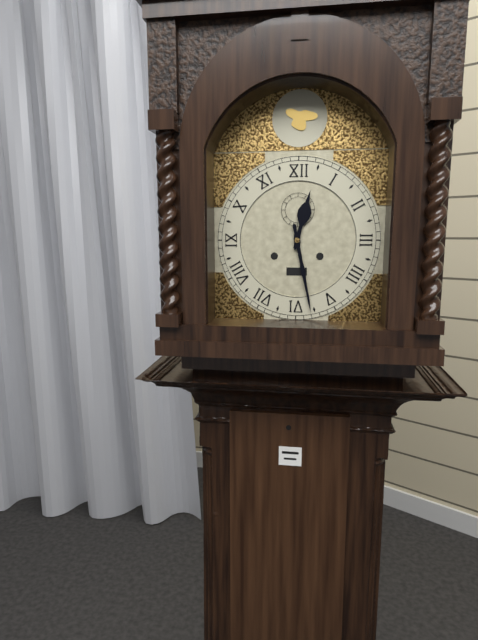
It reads 12 h 28 min
